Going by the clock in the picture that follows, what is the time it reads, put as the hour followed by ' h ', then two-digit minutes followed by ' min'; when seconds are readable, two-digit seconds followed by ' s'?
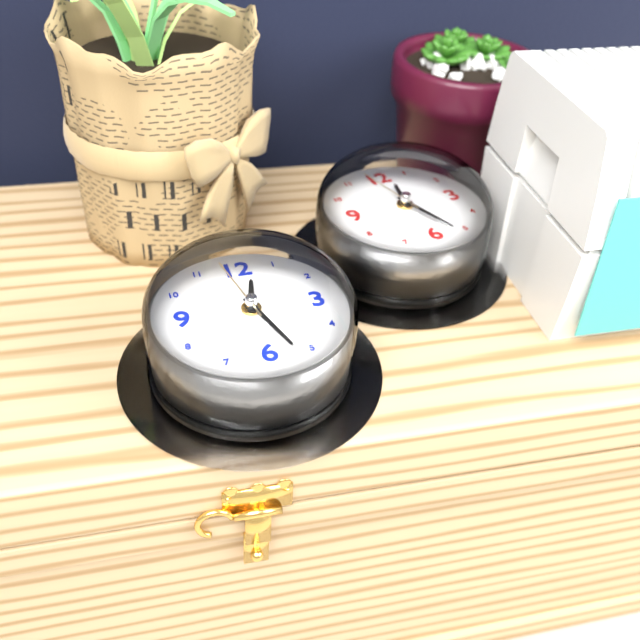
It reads 12 h 27 min 58 s
